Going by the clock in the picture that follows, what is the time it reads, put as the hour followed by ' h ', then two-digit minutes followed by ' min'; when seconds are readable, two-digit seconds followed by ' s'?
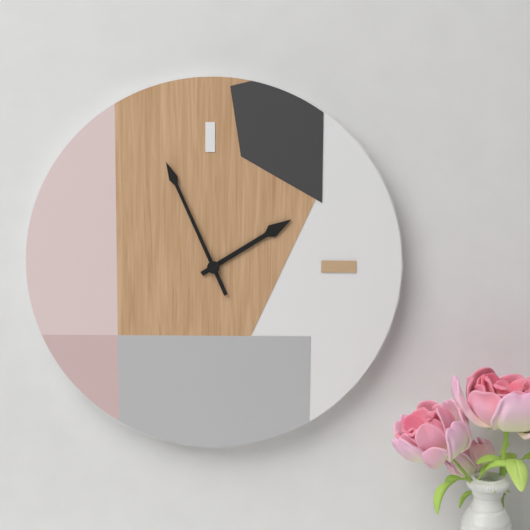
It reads 1 h 56 min
